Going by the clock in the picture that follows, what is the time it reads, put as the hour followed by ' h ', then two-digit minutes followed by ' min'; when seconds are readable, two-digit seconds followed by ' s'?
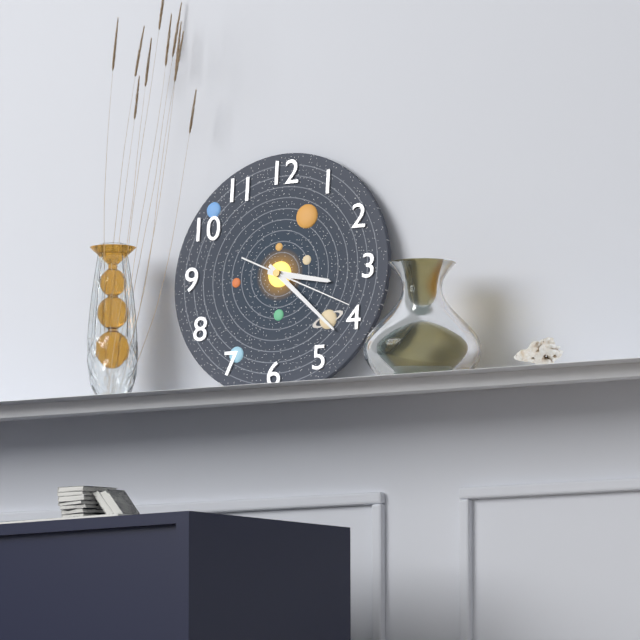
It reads 3 h 22 min 19 s
